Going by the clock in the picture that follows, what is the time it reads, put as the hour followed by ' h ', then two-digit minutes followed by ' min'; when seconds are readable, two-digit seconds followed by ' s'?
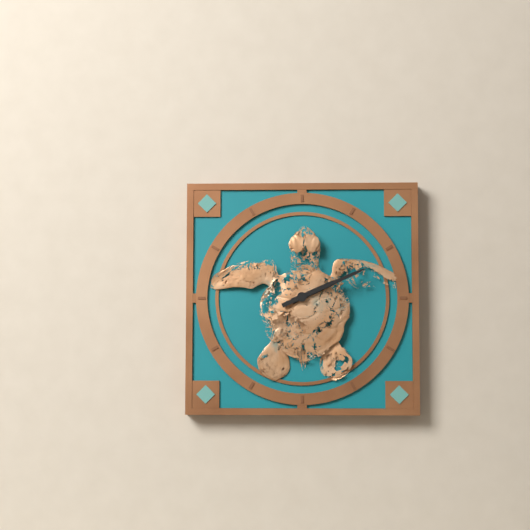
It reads 2 h 11 min
